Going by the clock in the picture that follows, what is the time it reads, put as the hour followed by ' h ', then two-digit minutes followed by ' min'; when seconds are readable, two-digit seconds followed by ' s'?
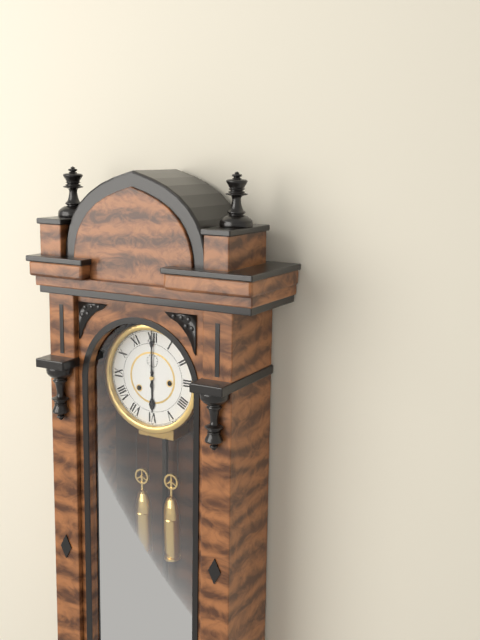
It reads 6 h 00 min
